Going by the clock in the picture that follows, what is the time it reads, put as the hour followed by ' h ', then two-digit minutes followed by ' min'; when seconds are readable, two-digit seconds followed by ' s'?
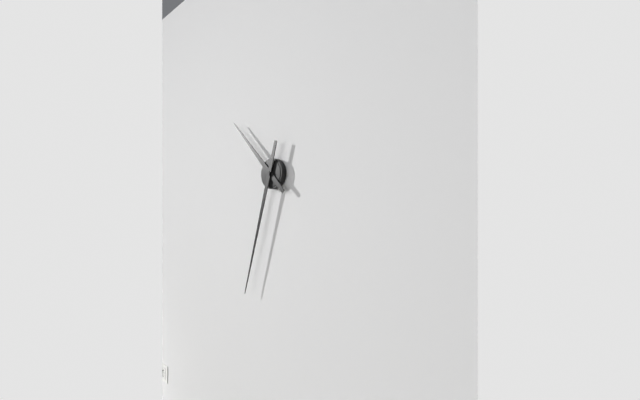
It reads 10 h 33 min
